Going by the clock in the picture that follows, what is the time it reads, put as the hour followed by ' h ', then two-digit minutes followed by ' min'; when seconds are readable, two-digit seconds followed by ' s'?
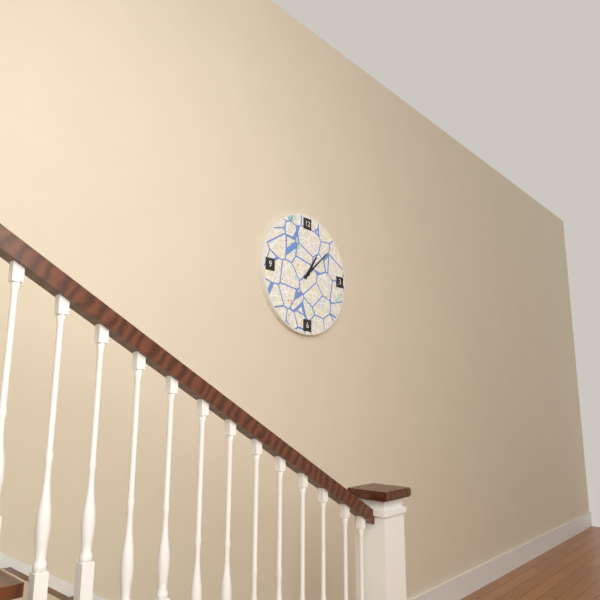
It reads 1 h 08 min
